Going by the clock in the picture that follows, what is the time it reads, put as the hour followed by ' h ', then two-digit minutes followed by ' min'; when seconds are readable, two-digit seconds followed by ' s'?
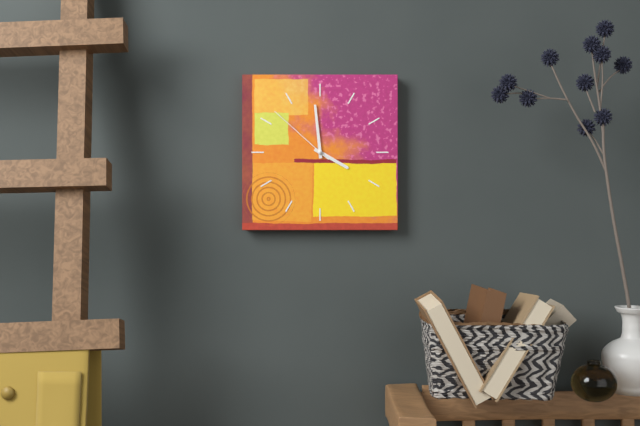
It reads 3 h 59 min 52 s
